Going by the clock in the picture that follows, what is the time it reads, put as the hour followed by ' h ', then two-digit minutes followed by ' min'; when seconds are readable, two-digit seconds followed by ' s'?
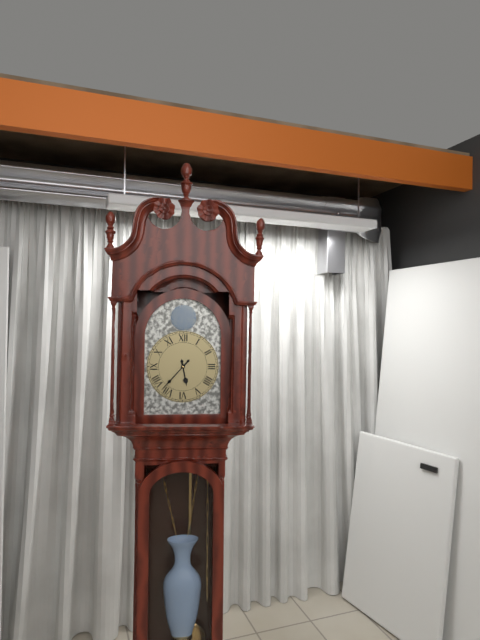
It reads 5 h 37 min
